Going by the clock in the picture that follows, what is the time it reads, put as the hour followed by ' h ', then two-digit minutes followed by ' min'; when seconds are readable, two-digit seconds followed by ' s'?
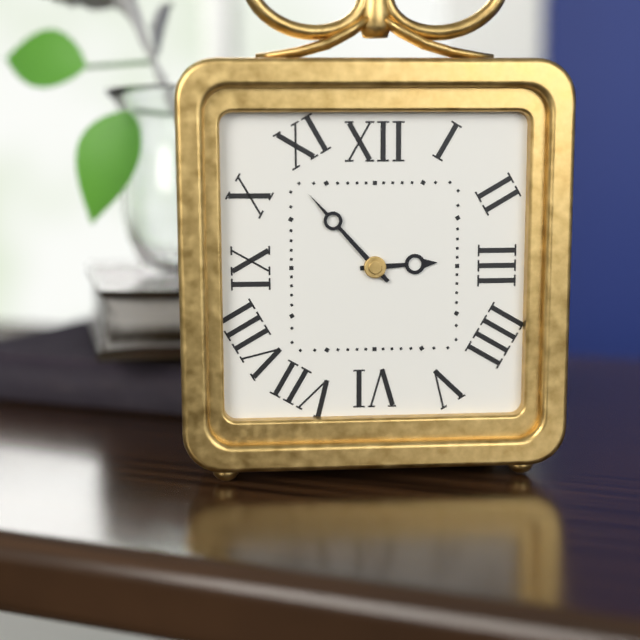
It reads 2 h 53 min
